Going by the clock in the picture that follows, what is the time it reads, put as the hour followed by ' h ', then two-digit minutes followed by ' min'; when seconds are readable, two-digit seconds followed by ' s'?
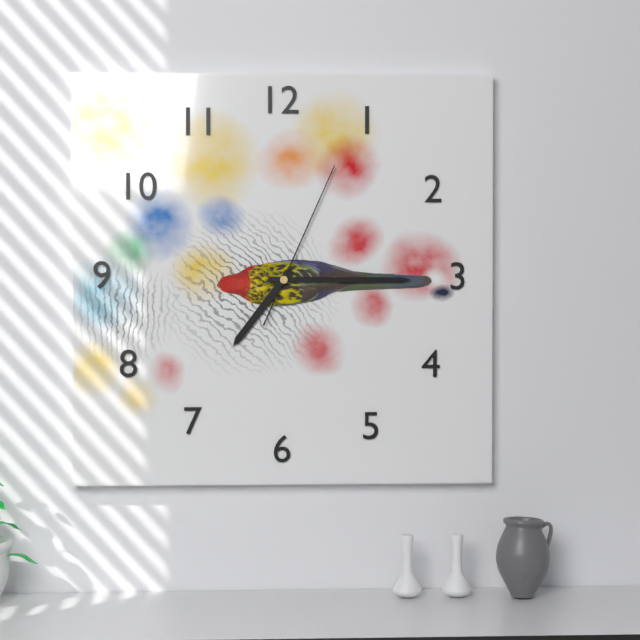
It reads 7 h 15 min 04 s
